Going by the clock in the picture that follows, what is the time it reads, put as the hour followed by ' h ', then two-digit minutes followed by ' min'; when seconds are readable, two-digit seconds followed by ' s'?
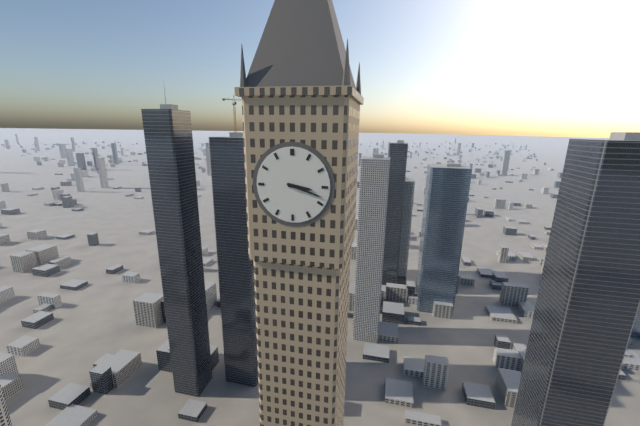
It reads 3 h 18 min
